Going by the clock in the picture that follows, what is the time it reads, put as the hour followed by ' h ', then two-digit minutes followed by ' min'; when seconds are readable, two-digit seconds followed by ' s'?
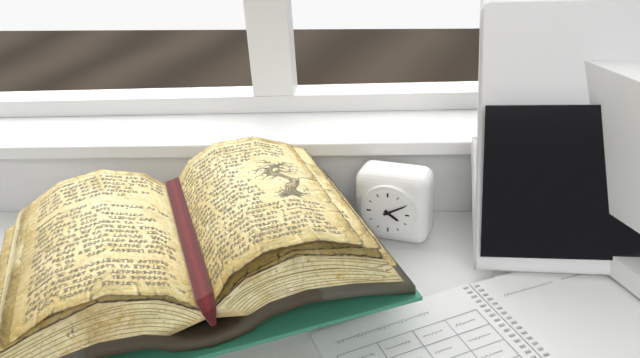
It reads 4 h 10 min
